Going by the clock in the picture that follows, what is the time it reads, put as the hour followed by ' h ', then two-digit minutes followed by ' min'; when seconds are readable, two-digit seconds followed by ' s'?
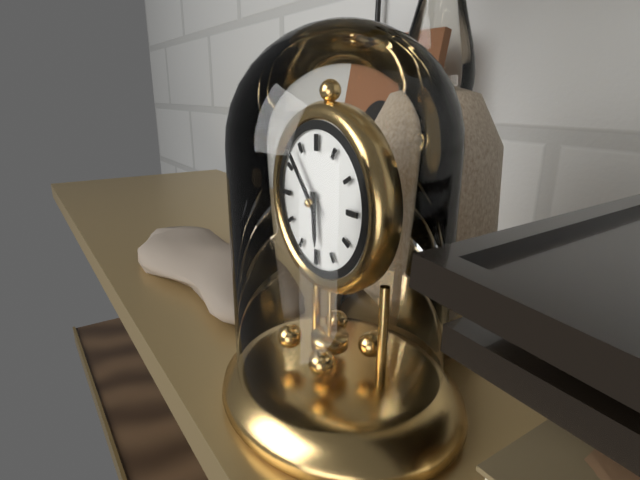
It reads 5 h 53 min
